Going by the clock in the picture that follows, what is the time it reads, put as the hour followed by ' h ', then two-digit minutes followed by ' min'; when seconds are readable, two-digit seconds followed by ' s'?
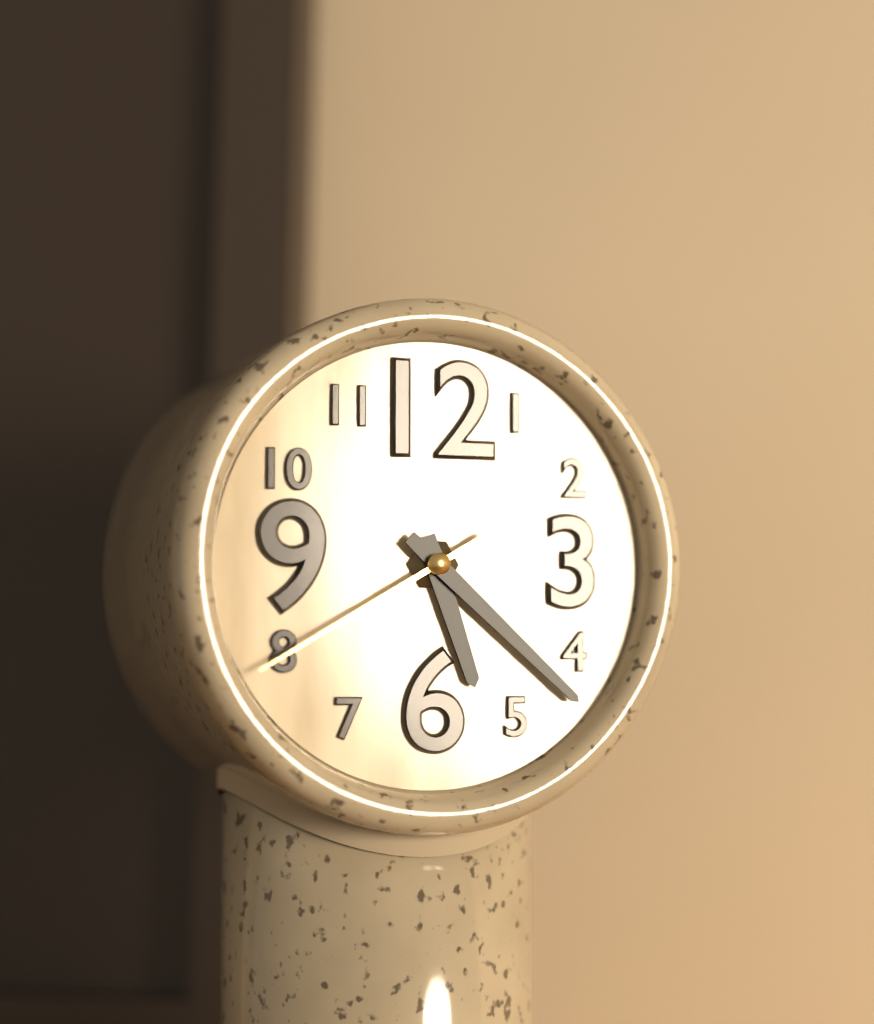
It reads 5 h 22 min 40 s
